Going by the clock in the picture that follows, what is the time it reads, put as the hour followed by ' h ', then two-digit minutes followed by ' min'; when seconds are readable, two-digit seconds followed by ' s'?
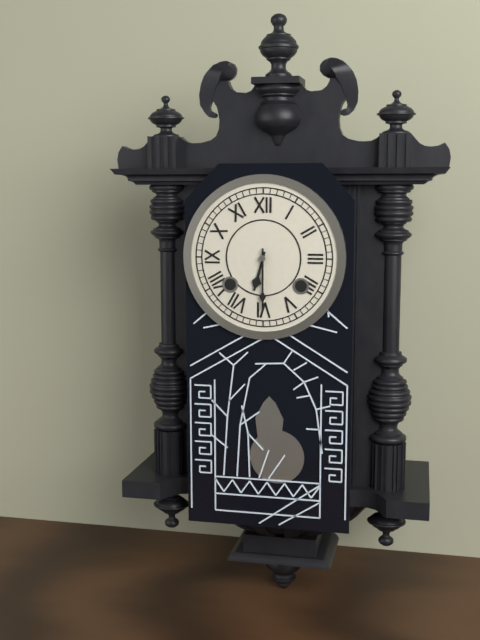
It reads 6 h 30 min
